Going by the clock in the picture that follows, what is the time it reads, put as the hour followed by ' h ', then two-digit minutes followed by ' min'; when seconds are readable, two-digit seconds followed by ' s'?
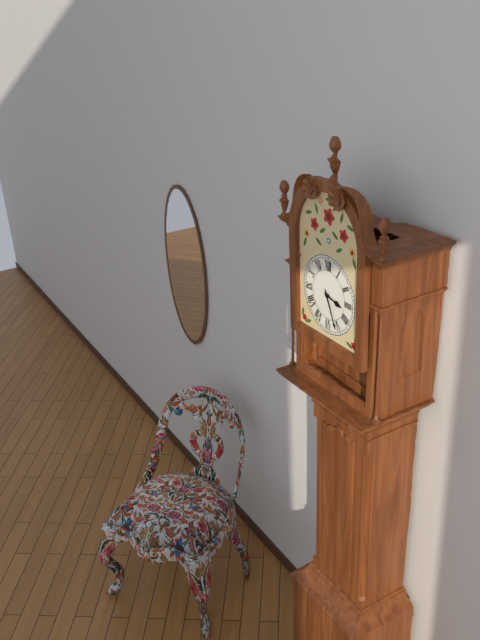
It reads 3 h 26 min
